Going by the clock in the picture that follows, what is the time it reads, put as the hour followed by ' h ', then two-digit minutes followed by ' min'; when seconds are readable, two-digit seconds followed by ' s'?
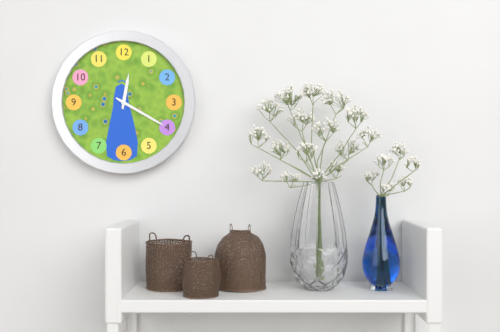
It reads 12 h 20 min
